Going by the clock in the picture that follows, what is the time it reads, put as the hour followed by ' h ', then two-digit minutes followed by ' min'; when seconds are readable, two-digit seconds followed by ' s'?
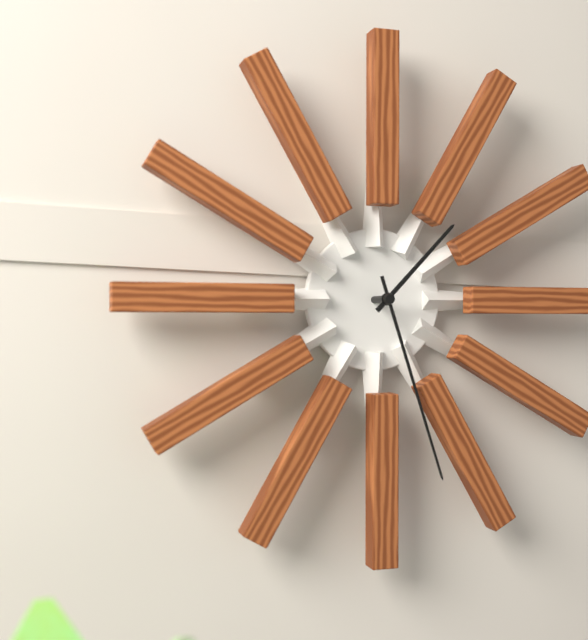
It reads 1 h 27 min
